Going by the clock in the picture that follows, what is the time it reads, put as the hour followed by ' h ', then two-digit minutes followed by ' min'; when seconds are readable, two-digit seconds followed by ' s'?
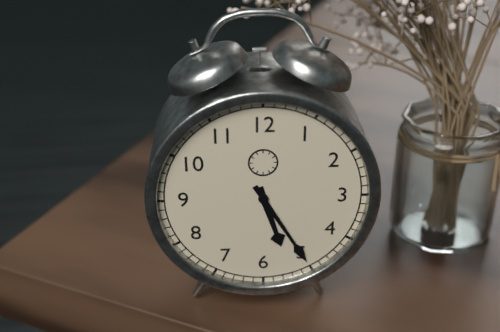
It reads 5 h 25 min
